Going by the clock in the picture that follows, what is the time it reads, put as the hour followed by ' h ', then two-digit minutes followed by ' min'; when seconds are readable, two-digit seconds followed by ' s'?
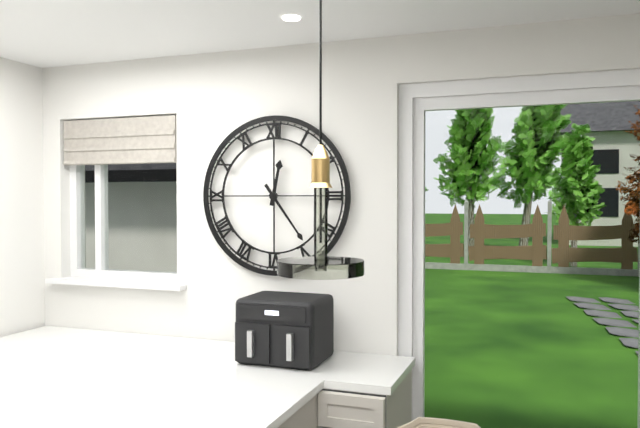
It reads 12 h 24 min
